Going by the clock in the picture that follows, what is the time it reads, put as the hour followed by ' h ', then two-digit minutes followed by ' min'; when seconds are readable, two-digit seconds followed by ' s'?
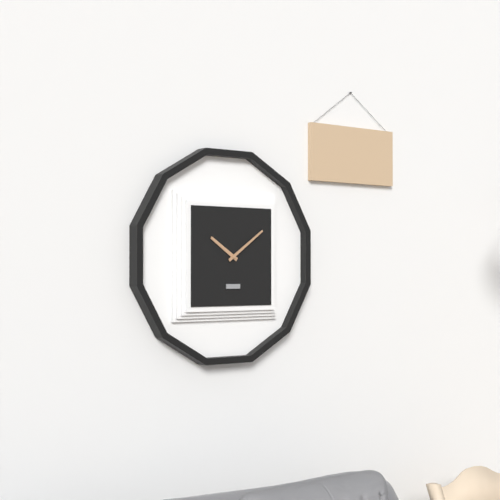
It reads 10 h 09 min
